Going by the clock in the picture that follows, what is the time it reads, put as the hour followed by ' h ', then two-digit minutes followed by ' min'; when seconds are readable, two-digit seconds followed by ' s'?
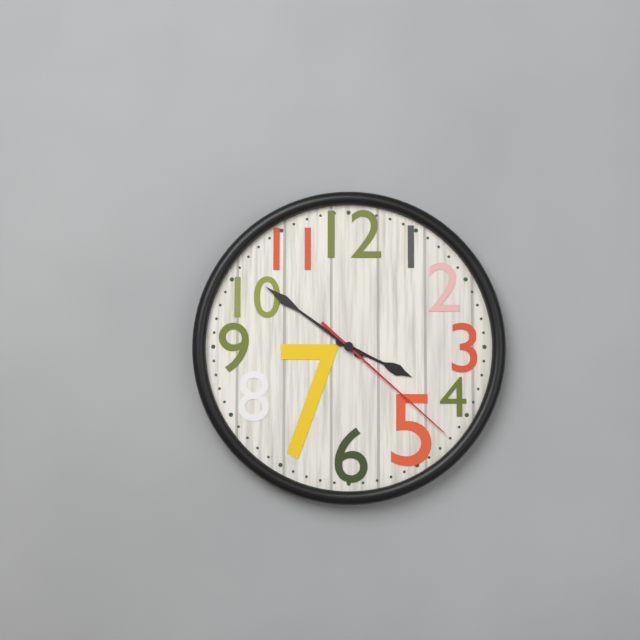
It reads 3 h 51 min 22 s
